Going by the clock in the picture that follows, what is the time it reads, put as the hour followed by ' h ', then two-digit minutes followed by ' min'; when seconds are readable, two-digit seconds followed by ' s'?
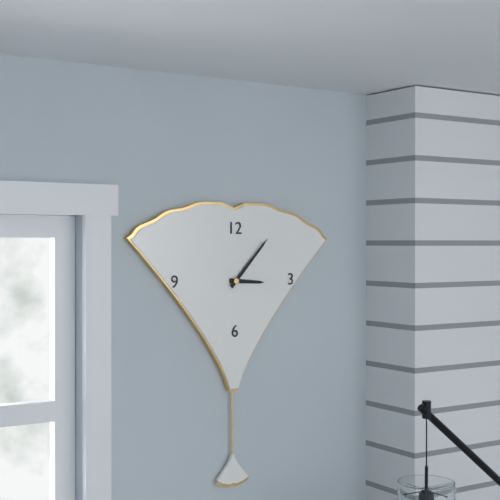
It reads 3 h 07 min
